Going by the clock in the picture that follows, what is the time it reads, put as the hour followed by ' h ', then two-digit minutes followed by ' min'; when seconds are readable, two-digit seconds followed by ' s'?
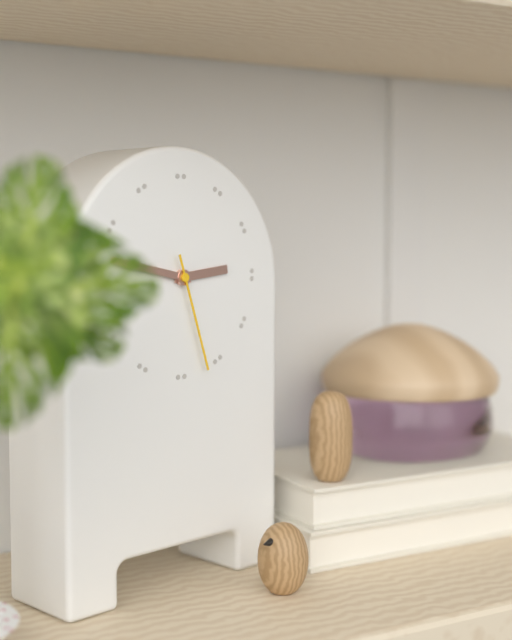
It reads 2 h 47 min 27 s
